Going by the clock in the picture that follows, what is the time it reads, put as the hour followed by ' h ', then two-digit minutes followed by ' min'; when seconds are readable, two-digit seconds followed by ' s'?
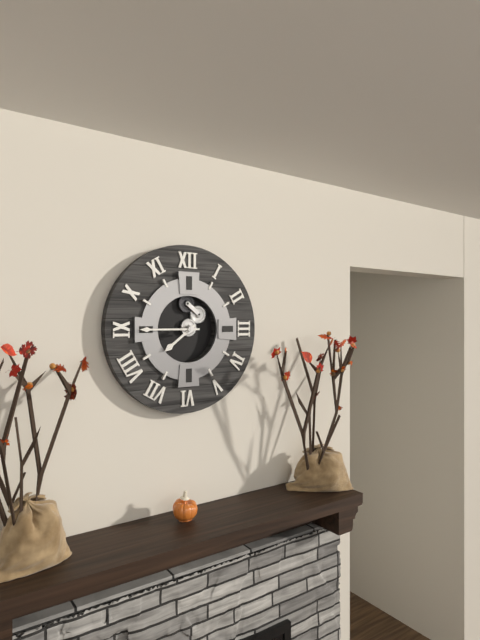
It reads 7 h 45 min
